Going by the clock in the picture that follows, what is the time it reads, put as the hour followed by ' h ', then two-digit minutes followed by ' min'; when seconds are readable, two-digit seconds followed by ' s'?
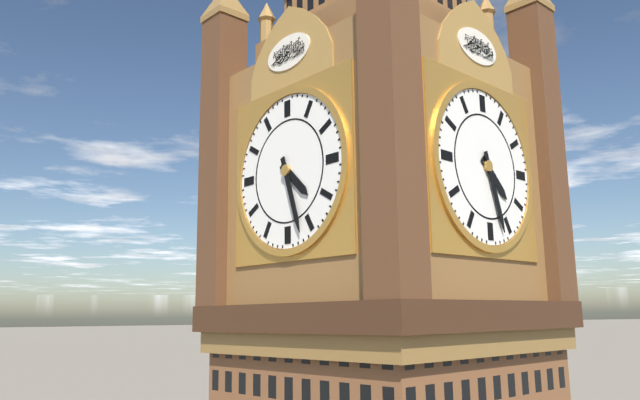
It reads 4 h 27 min
